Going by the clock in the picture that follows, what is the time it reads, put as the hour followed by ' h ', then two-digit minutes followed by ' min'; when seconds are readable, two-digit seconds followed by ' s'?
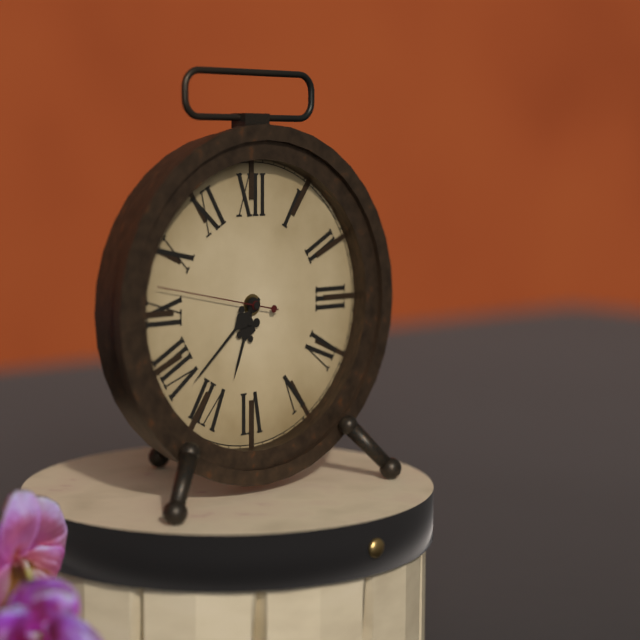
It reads 6 h 38 min 47 s
